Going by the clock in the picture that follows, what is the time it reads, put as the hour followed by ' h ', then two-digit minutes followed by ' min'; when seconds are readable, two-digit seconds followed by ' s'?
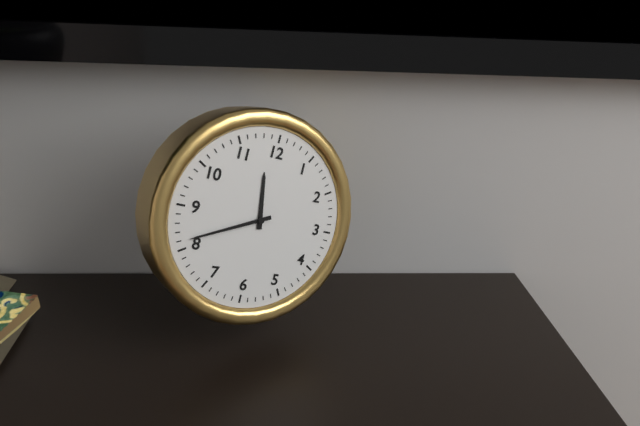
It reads 11 h 41 min
